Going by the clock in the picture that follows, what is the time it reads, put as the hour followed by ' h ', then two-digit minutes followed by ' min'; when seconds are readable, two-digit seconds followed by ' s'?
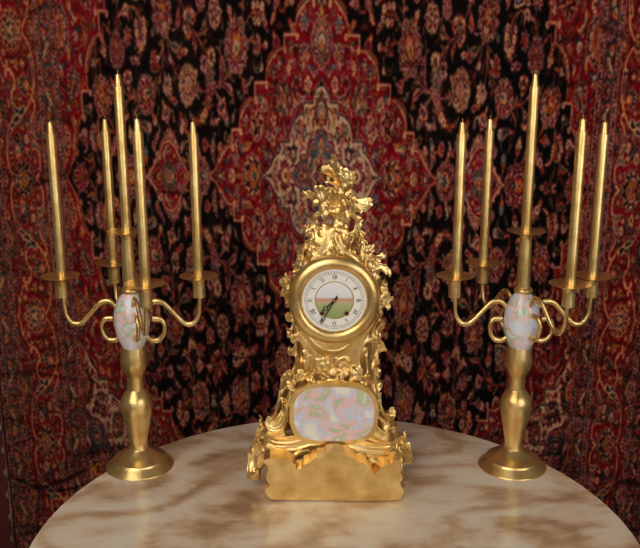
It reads 7 h 35 min
